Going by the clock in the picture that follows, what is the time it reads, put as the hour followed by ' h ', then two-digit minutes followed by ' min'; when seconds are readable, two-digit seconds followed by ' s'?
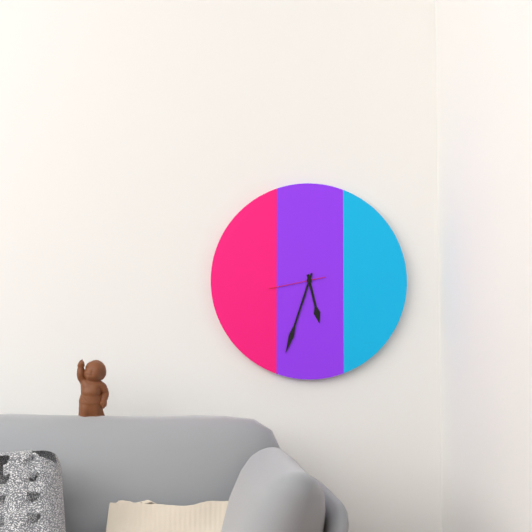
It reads 5 h 33 min 43 s
